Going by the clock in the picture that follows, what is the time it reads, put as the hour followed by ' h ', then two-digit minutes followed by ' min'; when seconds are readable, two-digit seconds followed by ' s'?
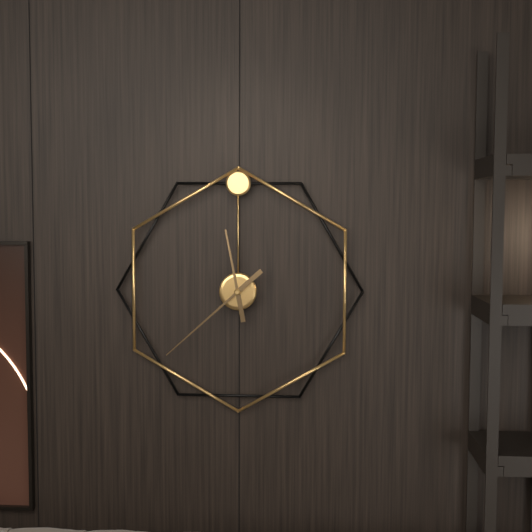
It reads 11 h 38 min
